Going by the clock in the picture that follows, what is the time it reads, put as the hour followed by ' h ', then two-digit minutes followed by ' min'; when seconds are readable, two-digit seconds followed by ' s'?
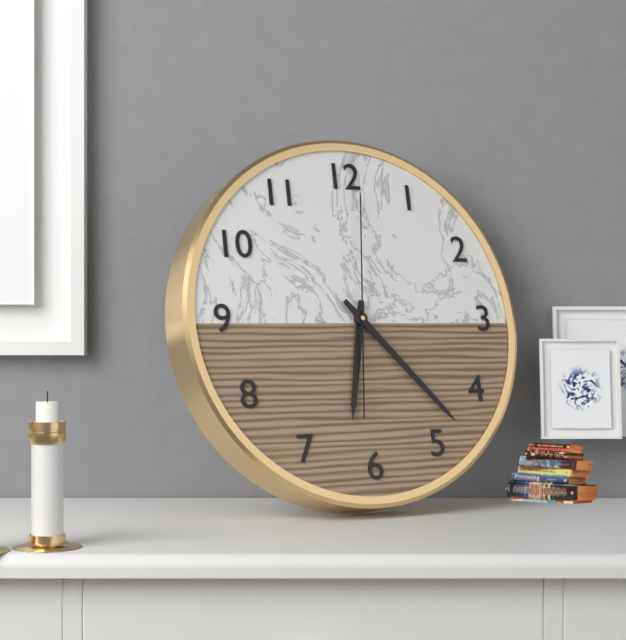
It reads 6 h 23 min 01 s
